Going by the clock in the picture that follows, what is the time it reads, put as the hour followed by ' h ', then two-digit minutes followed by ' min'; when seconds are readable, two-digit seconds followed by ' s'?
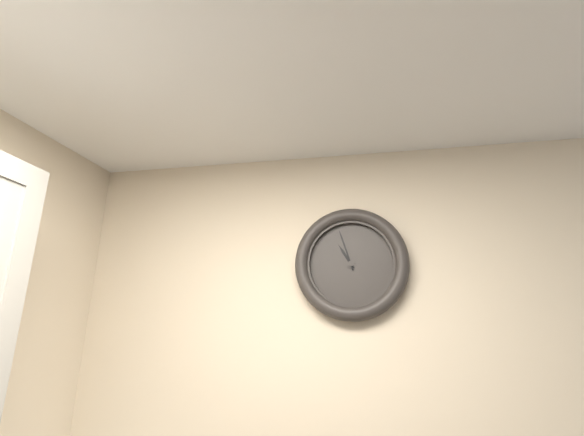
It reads 10 h 57 min
